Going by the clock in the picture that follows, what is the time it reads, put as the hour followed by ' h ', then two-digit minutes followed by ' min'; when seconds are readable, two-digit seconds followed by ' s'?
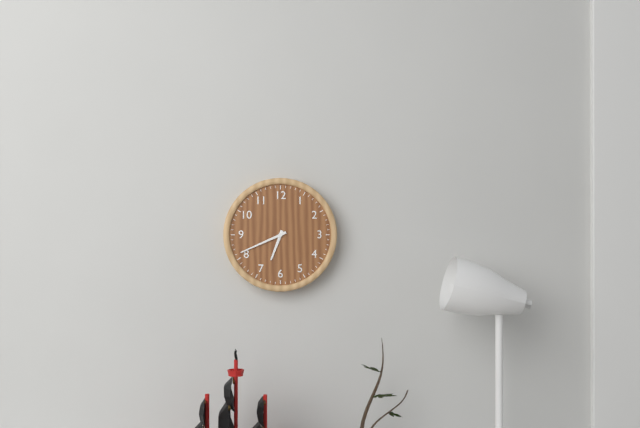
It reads 6 h 41 min
